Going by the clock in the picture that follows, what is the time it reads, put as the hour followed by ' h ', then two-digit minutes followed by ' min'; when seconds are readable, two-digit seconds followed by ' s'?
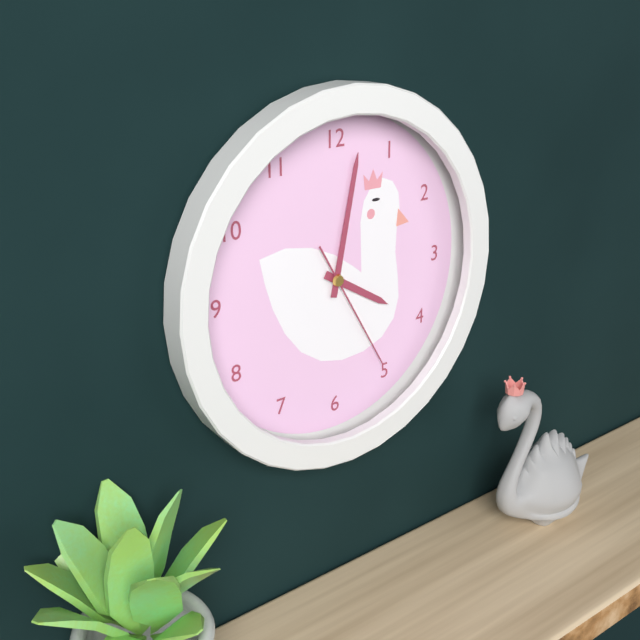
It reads 4 h 02 min 25 s
